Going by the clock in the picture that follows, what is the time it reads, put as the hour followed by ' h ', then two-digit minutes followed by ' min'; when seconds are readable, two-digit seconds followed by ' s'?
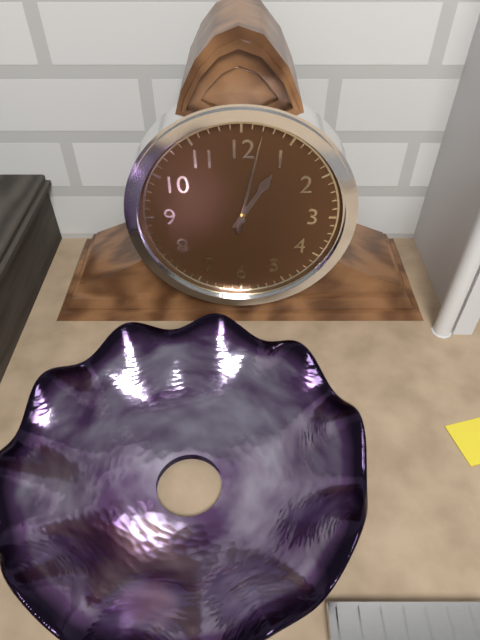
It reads 1 h 02 min
